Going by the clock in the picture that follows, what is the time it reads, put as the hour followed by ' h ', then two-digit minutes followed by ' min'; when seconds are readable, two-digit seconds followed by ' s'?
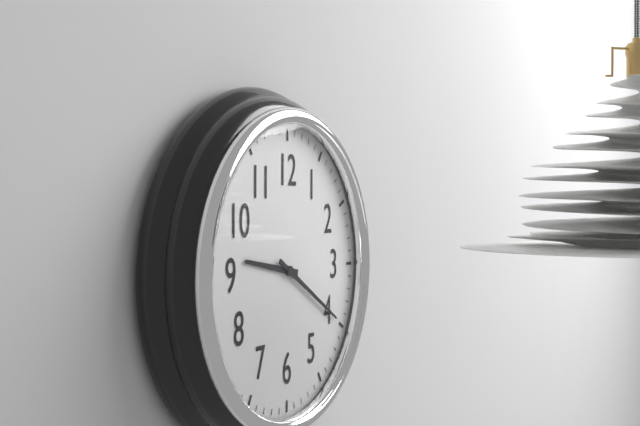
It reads 9 h 20 min
